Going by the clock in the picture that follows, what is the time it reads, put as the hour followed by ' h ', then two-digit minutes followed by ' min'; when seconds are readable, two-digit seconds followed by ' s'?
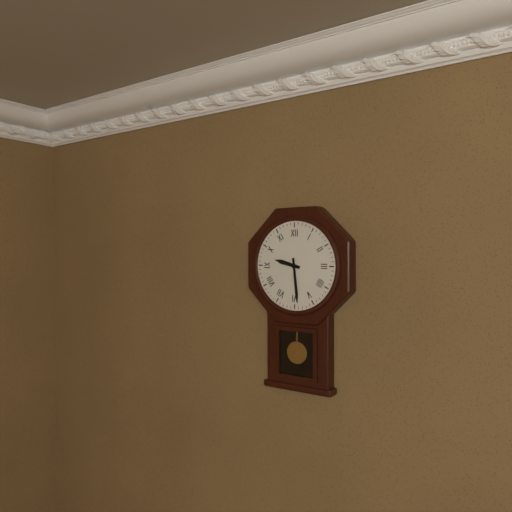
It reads 9 h 29 min
